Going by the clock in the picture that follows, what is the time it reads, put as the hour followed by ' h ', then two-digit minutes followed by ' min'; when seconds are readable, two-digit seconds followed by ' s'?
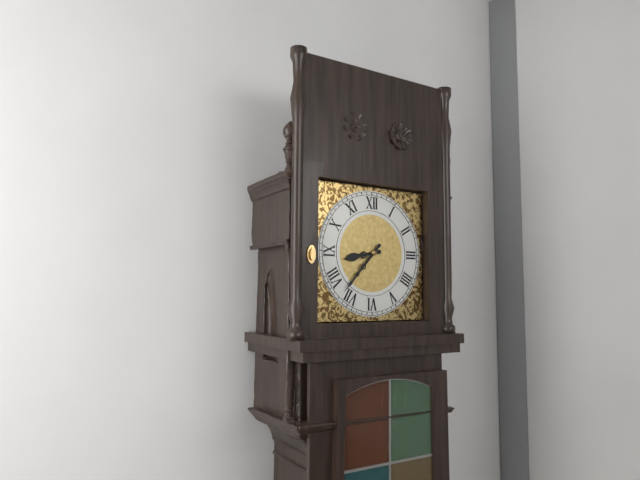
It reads 8 h 37 min
